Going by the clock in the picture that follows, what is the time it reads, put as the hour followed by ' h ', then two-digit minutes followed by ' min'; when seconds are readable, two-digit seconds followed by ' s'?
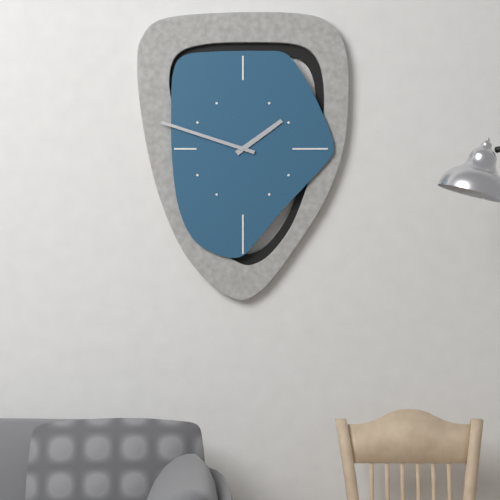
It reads 1 h 48 min
